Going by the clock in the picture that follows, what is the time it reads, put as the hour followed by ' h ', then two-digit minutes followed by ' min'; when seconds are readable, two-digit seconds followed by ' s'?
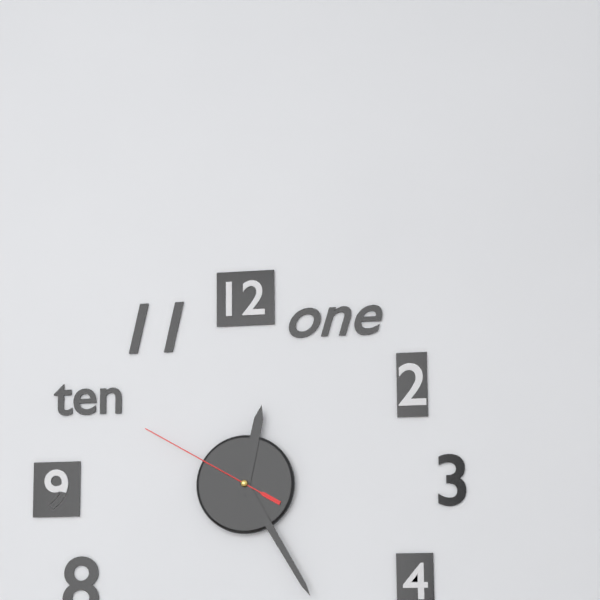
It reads 12 h 25 min 50 s
